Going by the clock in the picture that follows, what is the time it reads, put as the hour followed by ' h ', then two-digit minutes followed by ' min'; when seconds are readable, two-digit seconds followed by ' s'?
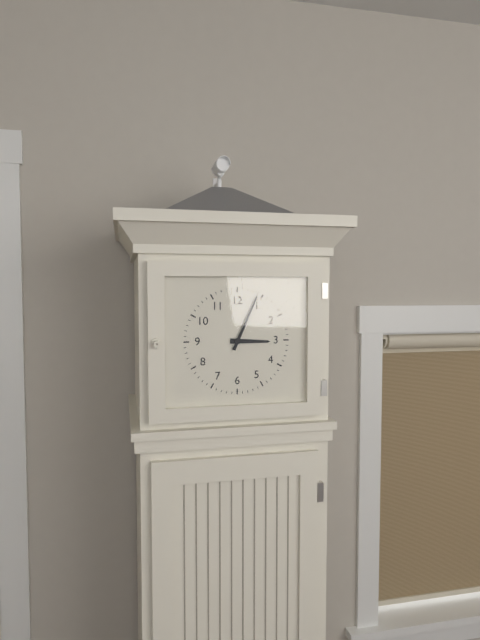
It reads 3 h 04 min
